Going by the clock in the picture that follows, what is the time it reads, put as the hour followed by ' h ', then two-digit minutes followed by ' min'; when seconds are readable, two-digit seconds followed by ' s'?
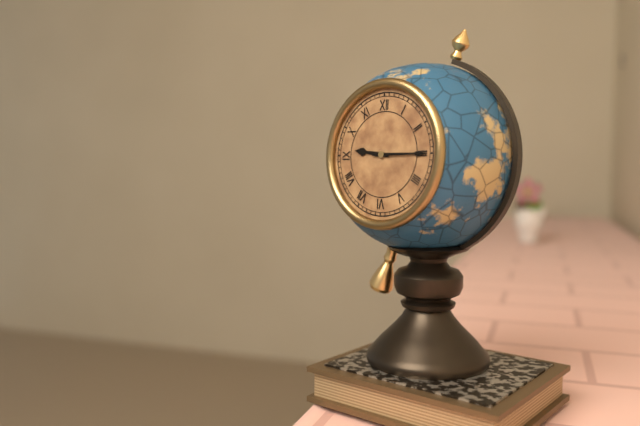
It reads 9 h 15 min
